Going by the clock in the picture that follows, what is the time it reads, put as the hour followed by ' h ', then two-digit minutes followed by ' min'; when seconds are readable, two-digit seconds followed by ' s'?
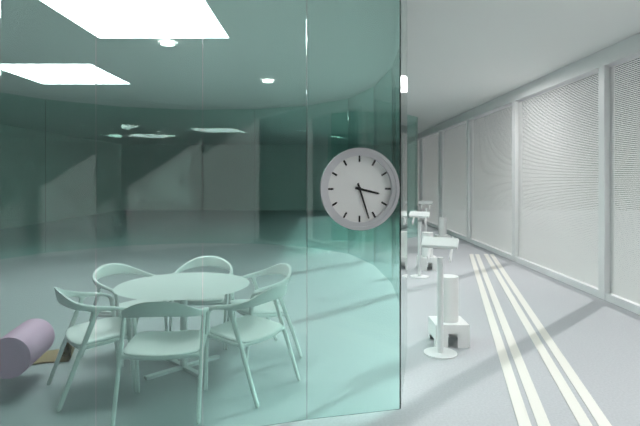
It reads 3 h 27 min
